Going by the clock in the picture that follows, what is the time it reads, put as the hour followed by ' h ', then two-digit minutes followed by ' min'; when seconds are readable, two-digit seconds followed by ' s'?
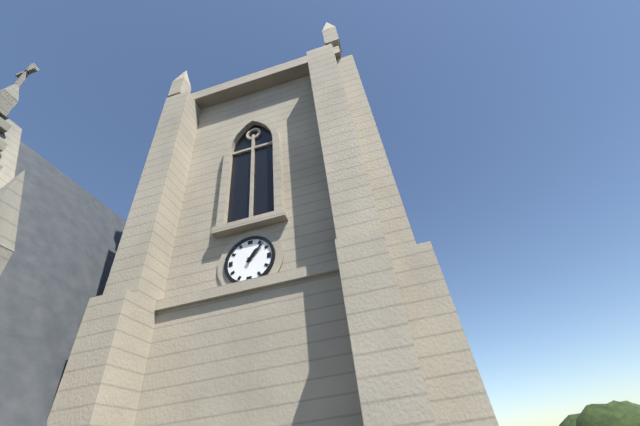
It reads 1 h 07 min
